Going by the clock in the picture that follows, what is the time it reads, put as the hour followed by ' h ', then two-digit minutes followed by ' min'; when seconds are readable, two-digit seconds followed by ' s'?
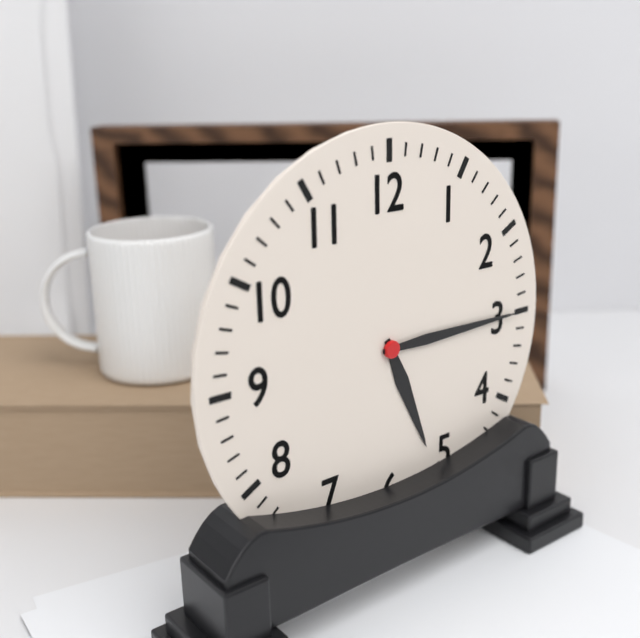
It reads 5 h 15 min
